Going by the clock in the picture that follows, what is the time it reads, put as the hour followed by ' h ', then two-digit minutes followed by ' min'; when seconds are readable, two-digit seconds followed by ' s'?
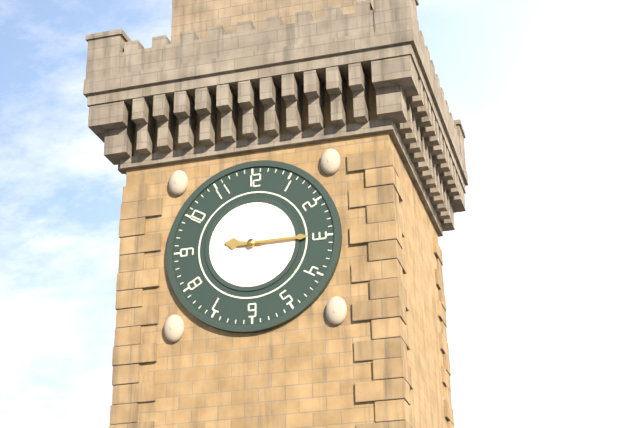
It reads 9 h 15 min
